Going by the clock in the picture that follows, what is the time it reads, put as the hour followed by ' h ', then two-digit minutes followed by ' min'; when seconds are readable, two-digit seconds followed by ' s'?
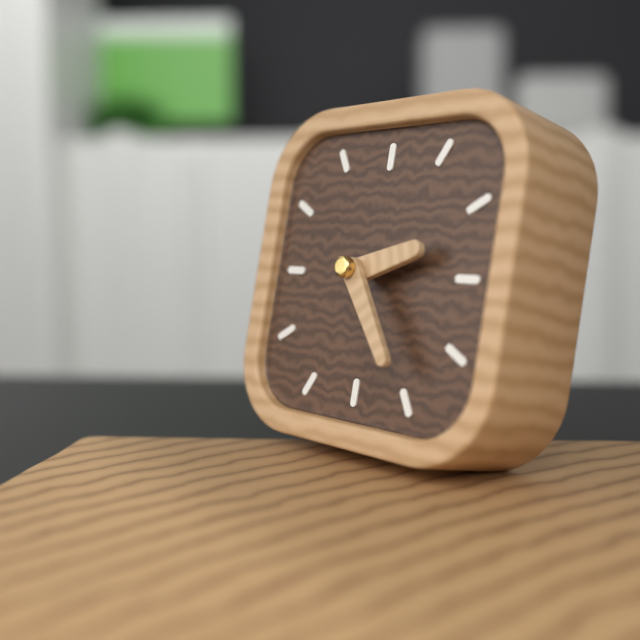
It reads 2 h 24 min
